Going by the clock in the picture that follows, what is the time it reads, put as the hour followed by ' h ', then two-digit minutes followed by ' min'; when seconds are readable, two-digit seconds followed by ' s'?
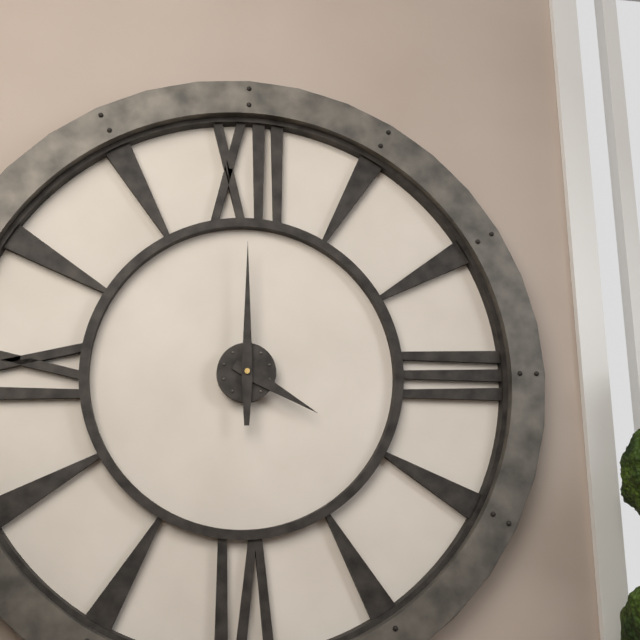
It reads 4 h 00 min
